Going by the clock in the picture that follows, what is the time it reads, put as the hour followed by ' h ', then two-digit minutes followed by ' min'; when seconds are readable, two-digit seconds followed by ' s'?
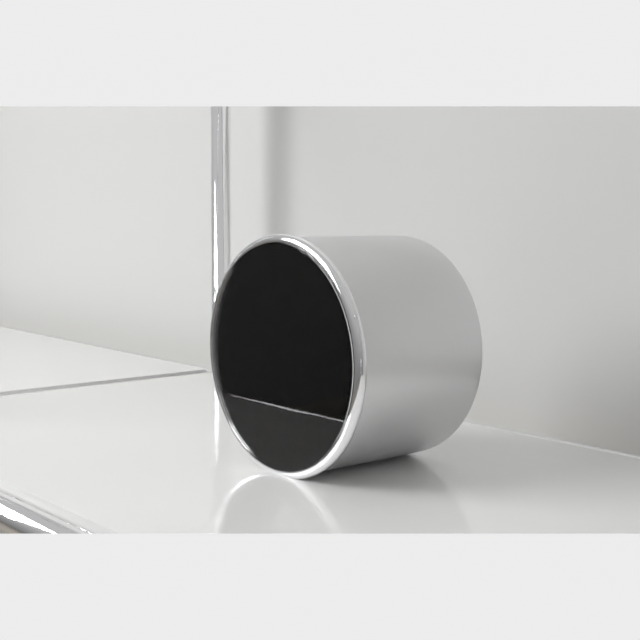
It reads 11 h 35 min 10 s
